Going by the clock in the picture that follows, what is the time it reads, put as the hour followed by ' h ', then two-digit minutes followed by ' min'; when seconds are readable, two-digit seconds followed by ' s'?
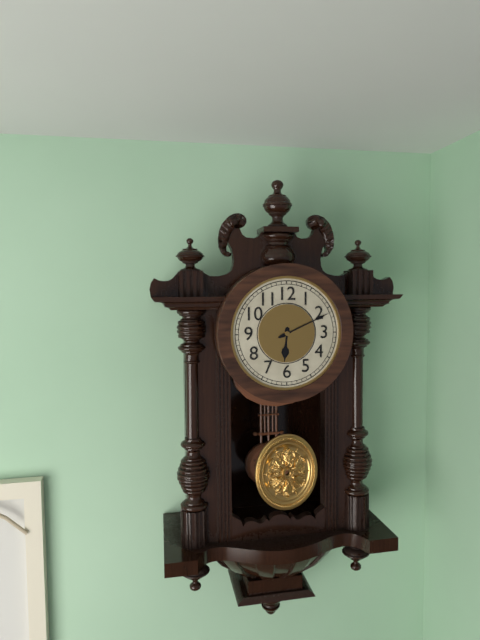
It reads 6 h 11 min
